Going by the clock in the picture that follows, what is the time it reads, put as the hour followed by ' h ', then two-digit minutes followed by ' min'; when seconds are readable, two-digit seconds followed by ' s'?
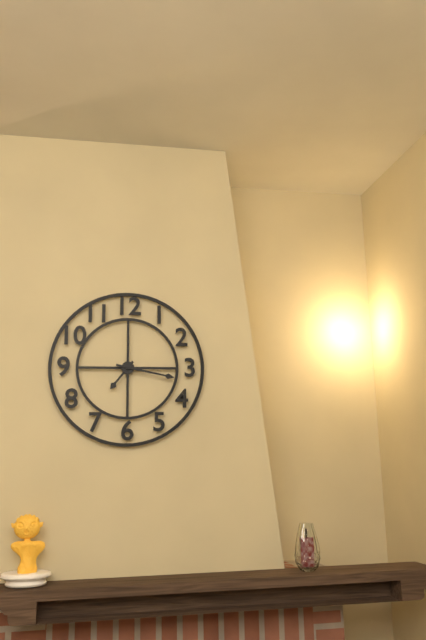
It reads 7 h 17 min
